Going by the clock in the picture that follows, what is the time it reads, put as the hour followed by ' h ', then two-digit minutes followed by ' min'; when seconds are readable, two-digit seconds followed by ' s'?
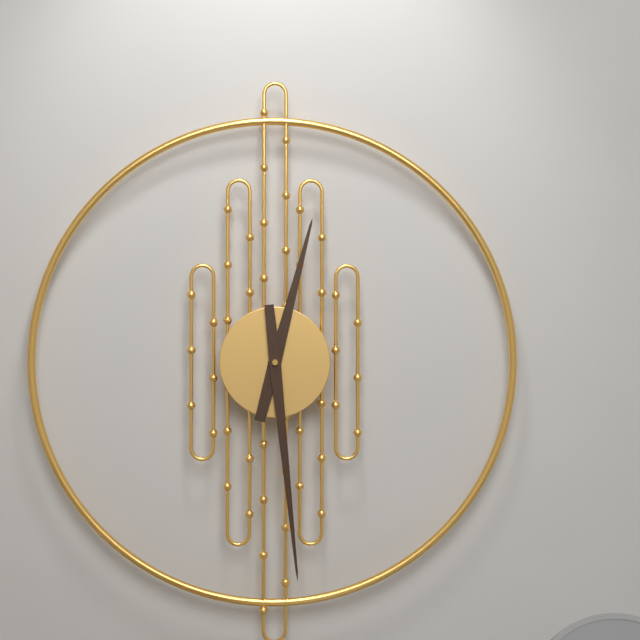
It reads 12 h 29 min
